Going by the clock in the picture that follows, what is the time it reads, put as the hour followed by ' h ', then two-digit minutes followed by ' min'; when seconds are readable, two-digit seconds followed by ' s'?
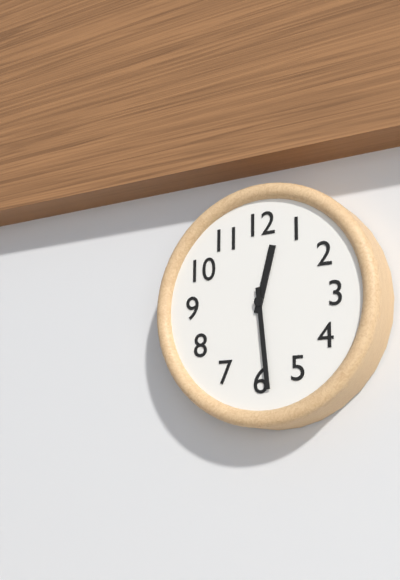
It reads 12 h 29 min
